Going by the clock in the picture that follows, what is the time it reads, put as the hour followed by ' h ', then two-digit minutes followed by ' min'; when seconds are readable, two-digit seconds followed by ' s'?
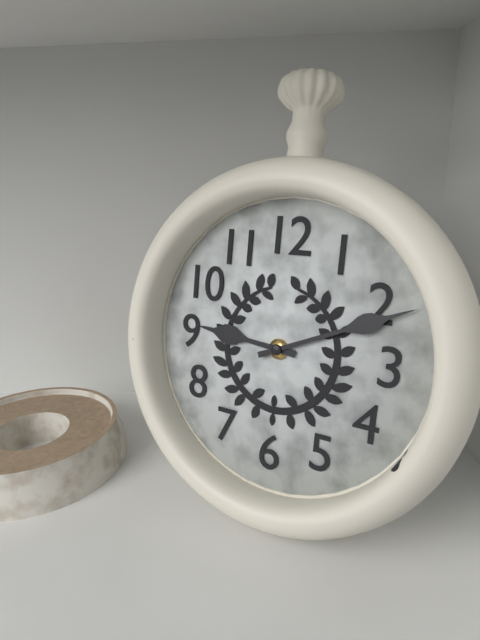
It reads 9 h 11 min
